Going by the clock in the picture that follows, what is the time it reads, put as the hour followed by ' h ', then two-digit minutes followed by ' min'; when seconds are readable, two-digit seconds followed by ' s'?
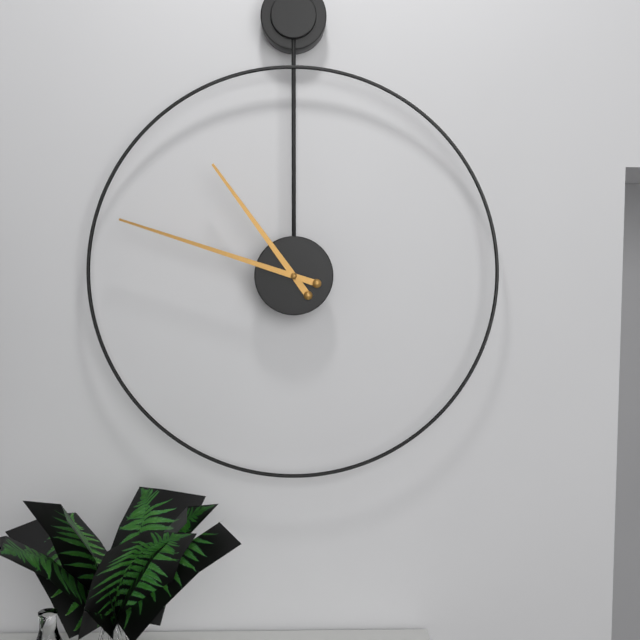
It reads 10 h 48 min
